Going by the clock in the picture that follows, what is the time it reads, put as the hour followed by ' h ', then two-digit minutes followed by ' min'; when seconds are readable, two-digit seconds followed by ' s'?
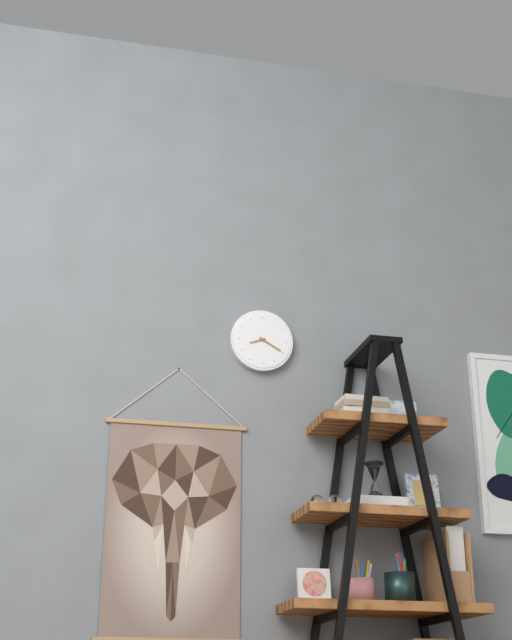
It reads 8 h 20 min
